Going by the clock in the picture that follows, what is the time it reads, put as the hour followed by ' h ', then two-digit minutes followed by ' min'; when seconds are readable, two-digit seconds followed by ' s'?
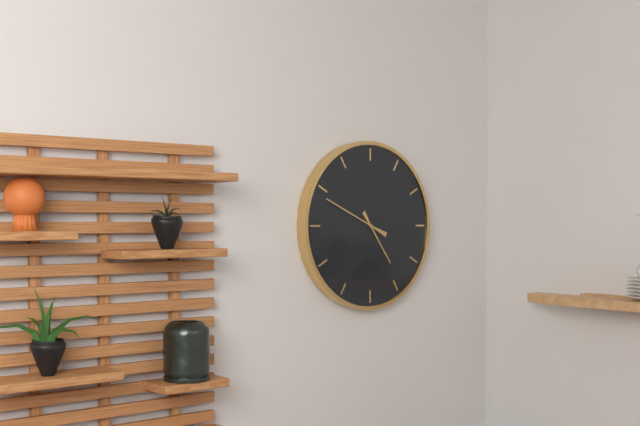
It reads 4 h 49 min
